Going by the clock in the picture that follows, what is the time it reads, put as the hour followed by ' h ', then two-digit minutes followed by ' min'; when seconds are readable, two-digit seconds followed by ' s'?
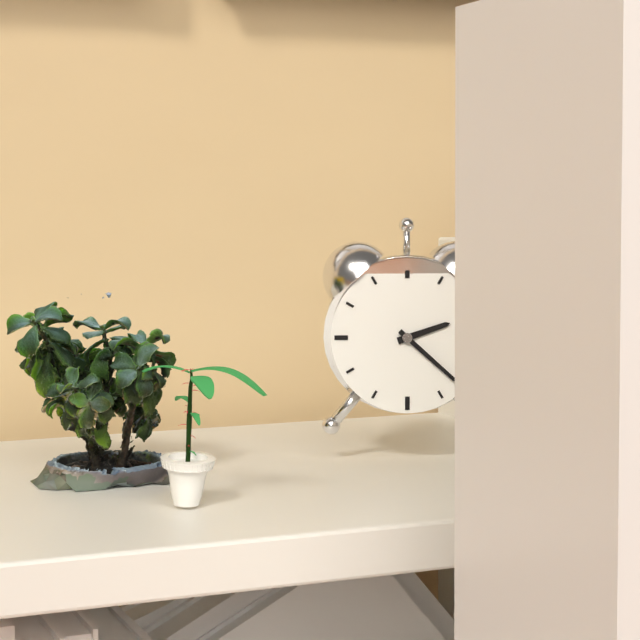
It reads 2 h 22 min
